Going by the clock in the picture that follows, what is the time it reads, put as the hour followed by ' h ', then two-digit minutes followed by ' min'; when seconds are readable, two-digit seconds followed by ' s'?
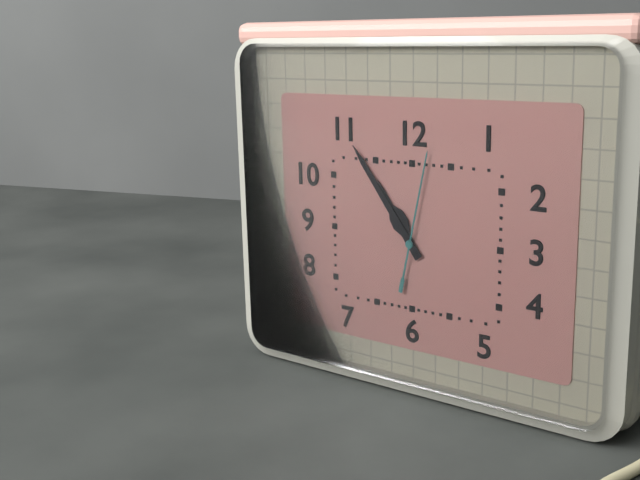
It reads 10 h 54 min 02 s
